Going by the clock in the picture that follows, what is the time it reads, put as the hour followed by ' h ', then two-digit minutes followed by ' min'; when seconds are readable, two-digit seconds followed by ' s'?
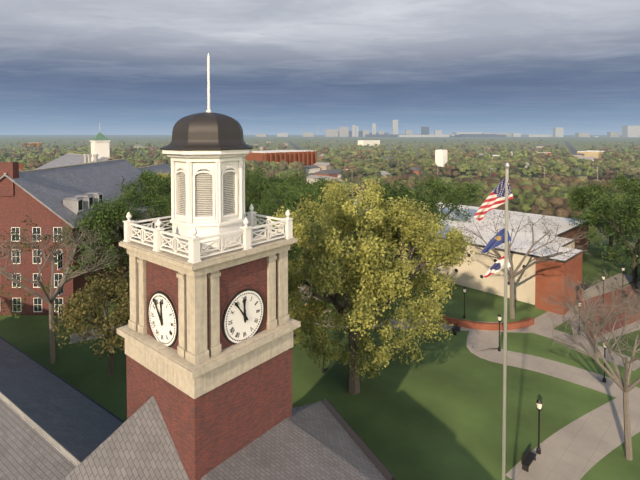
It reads 11 h 54 min
